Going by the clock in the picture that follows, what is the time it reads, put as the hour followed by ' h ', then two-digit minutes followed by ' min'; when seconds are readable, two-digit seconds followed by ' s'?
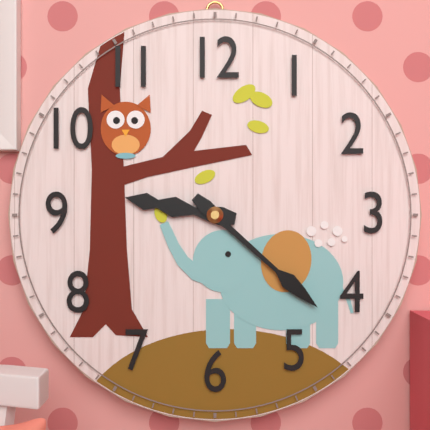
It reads 9 h 22 min
